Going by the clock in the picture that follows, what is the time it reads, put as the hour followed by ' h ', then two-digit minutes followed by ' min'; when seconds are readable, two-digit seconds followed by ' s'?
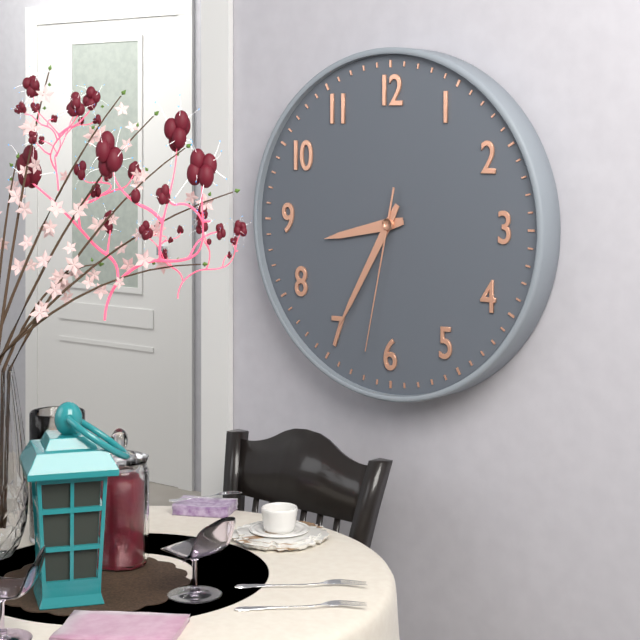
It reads 8 h 35 min 32 s
